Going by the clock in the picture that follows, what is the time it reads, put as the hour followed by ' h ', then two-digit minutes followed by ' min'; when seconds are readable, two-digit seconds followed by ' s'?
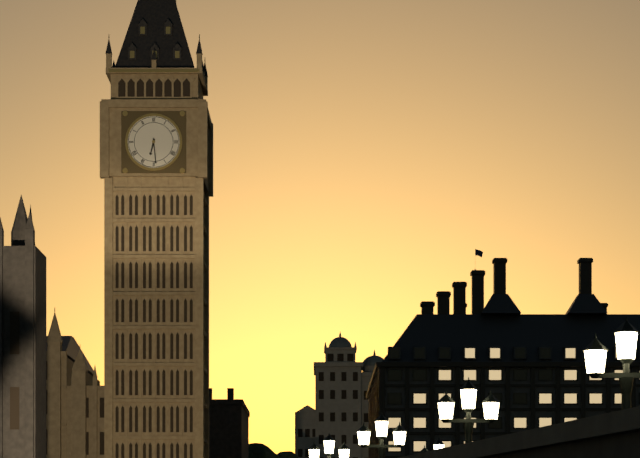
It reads 6 h 29 min
